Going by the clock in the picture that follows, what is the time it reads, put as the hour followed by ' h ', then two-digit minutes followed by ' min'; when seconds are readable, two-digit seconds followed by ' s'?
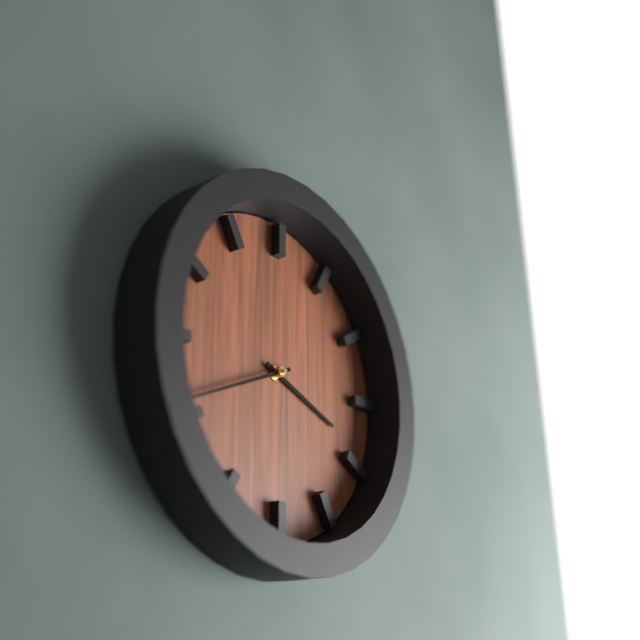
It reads 3 h 41 min
